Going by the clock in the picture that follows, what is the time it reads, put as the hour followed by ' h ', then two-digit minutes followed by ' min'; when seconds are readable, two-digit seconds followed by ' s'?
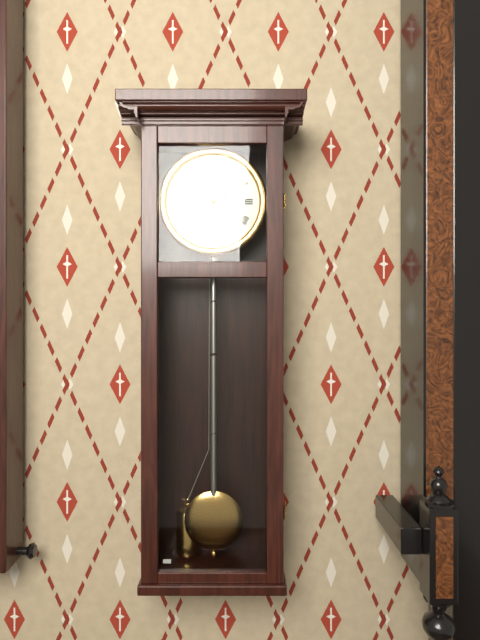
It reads 2 h 21 min
